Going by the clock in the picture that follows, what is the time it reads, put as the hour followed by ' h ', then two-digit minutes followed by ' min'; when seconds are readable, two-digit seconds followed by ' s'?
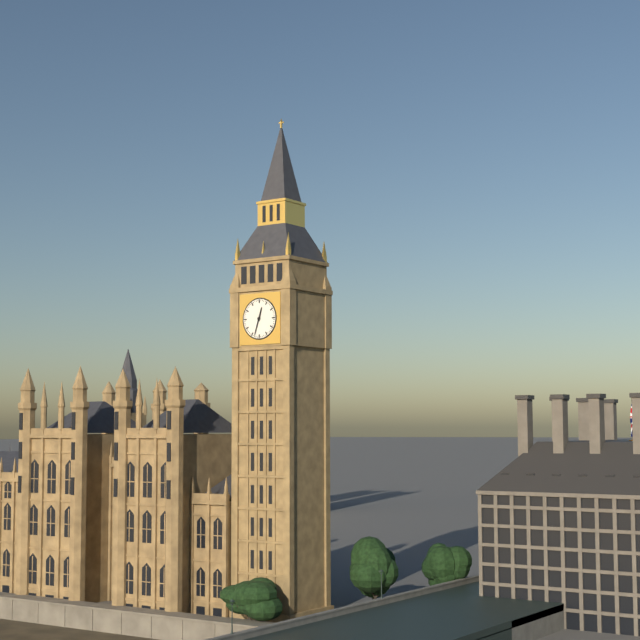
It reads 12 h 33 min
